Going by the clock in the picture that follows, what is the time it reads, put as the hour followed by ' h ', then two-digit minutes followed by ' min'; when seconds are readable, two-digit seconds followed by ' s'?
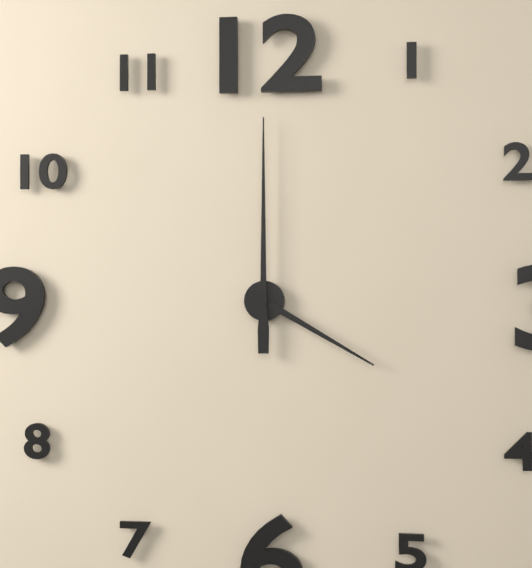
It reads 4 h 00 min
